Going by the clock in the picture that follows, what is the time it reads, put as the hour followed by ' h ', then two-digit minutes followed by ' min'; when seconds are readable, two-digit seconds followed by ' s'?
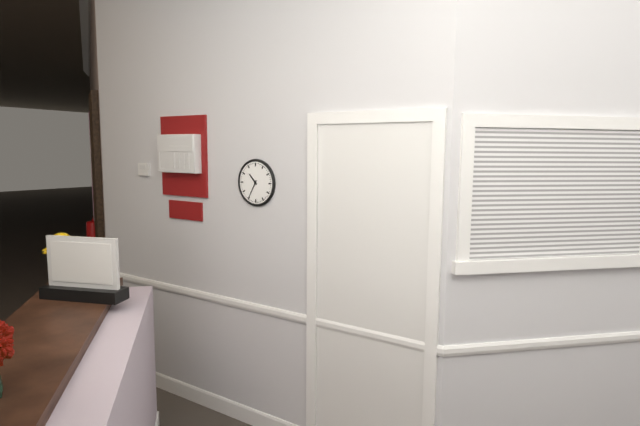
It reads 10 h 35 min
